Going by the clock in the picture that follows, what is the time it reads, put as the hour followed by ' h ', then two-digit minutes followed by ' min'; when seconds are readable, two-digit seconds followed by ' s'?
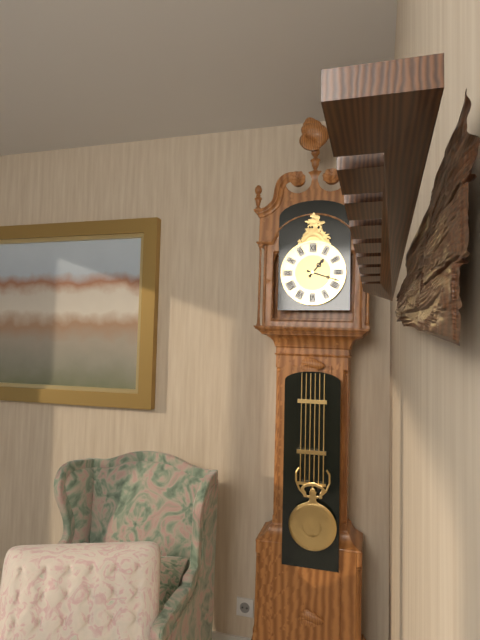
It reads 1 h 18 min
